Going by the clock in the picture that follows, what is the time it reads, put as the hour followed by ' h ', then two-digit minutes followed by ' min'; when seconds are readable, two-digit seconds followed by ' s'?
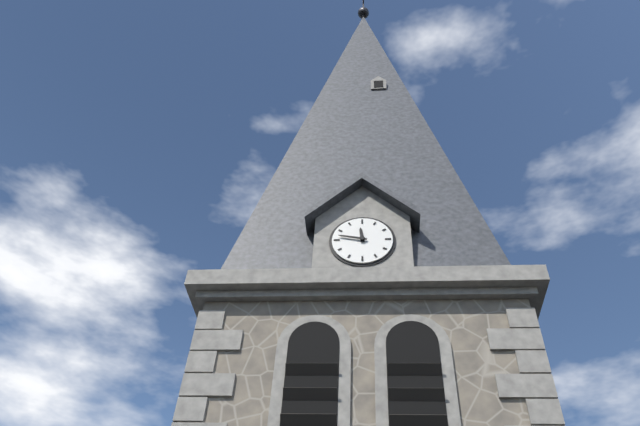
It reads 11 h 47 min
